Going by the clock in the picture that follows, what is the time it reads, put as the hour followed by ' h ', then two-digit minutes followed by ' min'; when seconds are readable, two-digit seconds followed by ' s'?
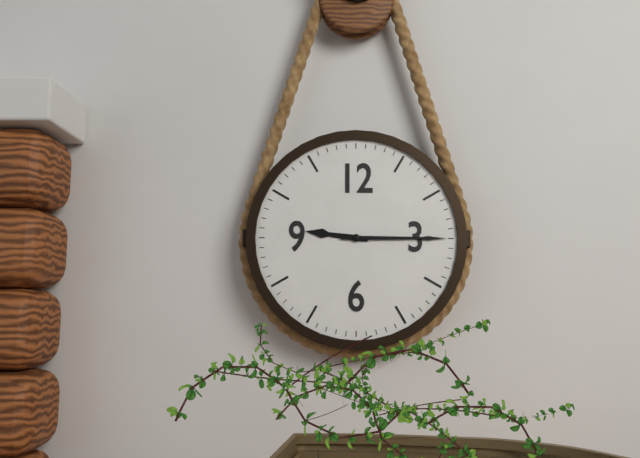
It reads 9 h 15 min
